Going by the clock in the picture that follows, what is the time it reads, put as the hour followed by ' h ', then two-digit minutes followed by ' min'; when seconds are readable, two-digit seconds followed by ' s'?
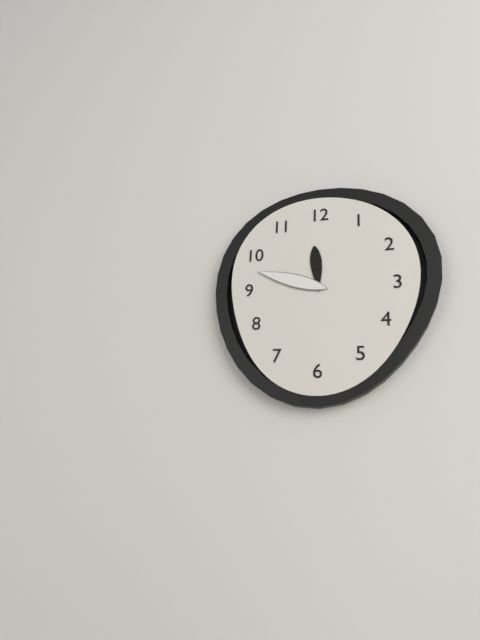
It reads 11 h 48 min
